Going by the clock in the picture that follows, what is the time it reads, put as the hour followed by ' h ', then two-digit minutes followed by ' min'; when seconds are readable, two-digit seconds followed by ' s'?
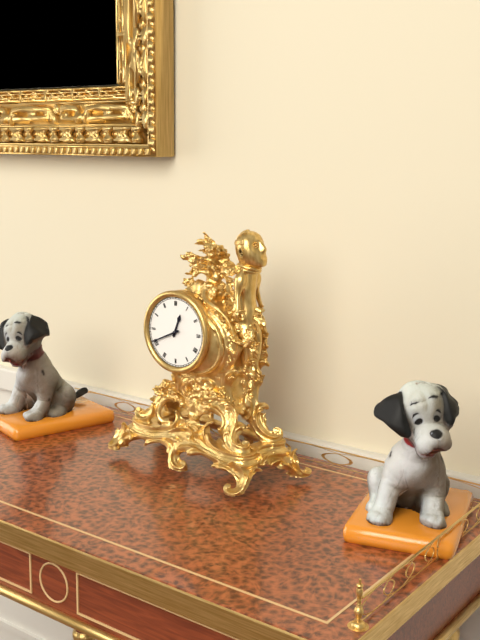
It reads 12 h 41 min
